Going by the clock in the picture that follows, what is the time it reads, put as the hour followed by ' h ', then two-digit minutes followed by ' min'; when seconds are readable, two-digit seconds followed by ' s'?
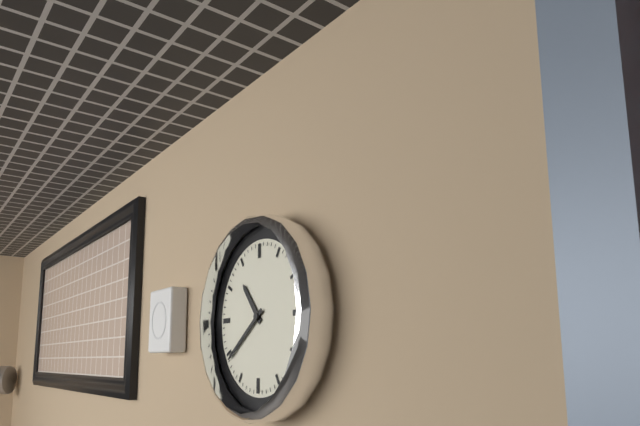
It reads 10 h 39 min
